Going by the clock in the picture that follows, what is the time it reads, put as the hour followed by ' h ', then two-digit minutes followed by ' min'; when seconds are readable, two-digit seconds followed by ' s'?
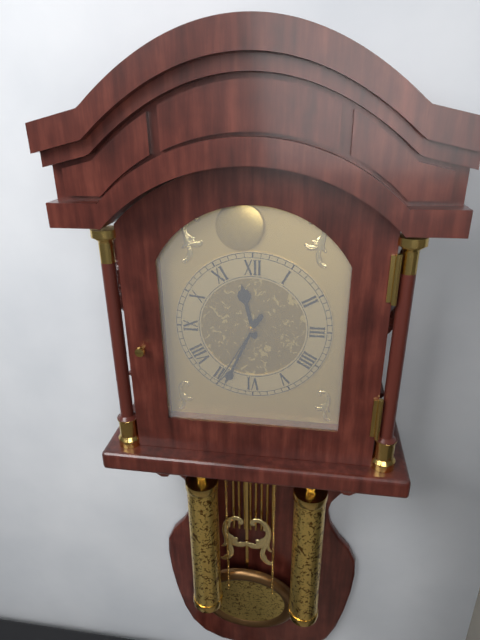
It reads 11 h 34 min 35 s
